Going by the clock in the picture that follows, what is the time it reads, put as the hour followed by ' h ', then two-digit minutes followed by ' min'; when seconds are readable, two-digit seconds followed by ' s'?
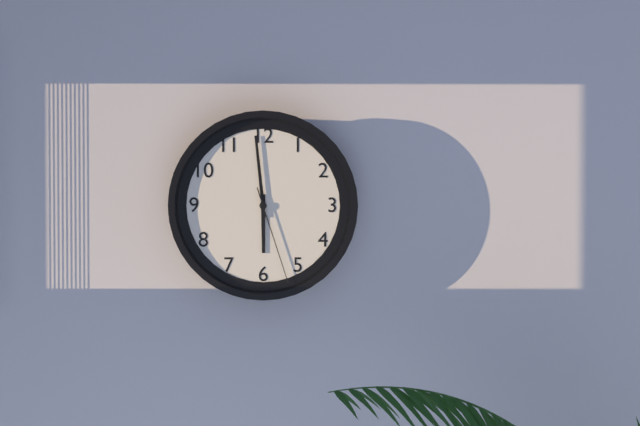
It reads 5 h 59 min 27 s
